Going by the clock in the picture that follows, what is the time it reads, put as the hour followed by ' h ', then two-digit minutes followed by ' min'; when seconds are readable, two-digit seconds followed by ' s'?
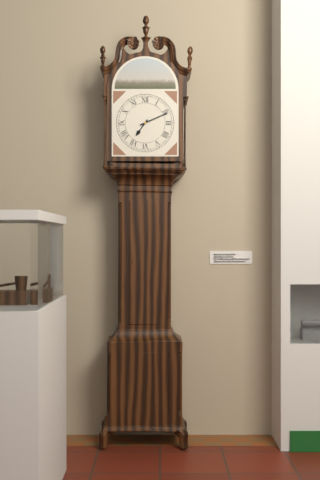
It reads 7 h 11 min
